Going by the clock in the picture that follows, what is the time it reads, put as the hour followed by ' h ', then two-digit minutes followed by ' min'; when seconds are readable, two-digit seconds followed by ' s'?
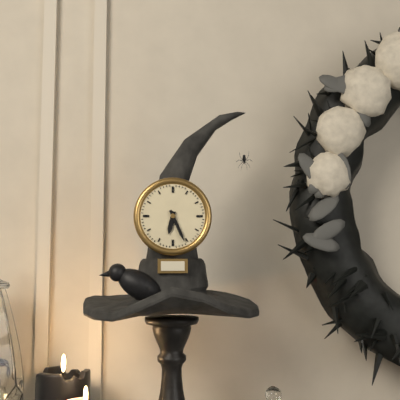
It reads 6 h 26 min
